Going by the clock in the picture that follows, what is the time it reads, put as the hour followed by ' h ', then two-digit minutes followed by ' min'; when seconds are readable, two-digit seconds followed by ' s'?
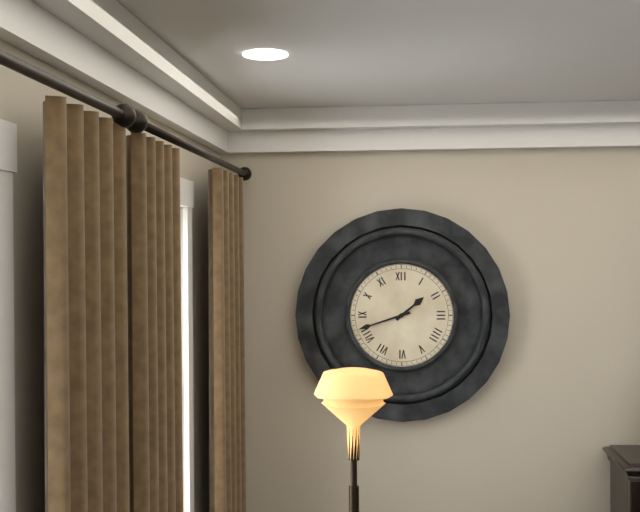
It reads 1 h 42 min
